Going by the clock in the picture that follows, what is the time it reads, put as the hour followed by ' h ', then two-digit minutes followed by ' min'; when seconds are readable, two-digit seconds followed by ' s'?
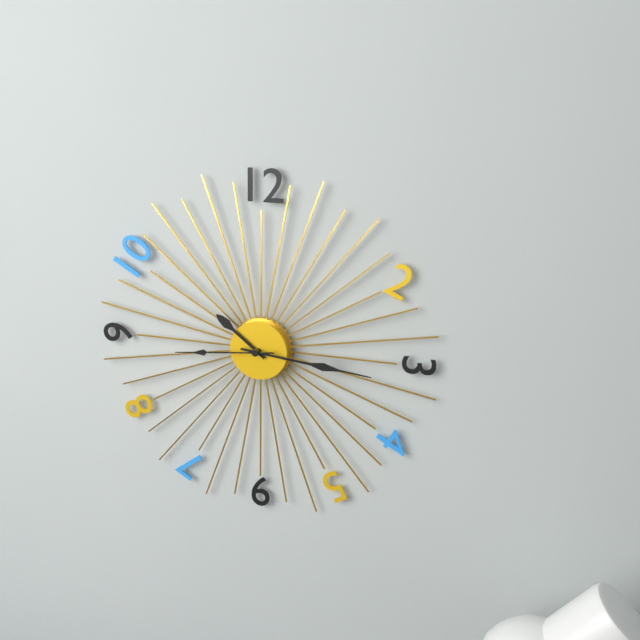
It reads 10 h 16 min 44 s
